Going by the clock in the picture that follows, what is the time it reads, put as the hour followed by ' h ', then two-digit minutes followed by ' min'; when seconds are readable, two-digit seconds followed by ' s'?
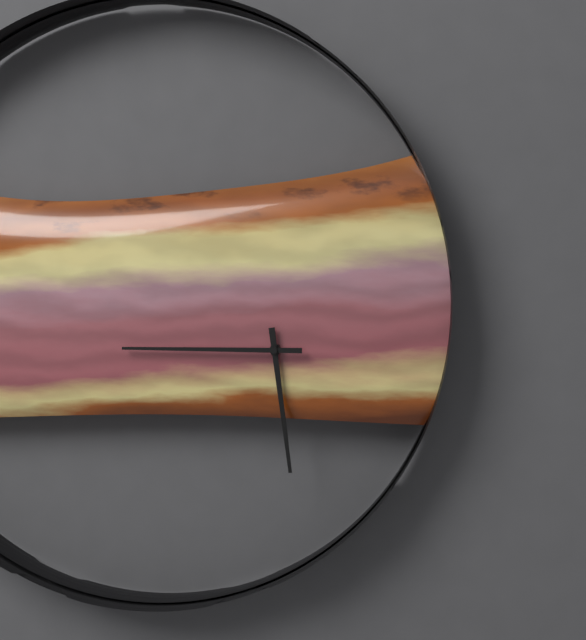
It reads 5 h 45 min
